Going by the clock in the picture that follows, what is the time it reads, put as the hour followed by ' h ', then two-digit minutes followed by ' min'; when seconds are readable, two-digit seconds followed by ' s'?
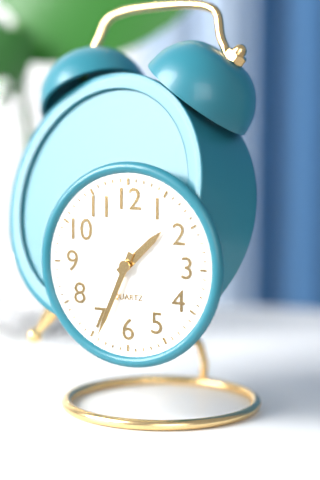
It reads 1 h 34 min
